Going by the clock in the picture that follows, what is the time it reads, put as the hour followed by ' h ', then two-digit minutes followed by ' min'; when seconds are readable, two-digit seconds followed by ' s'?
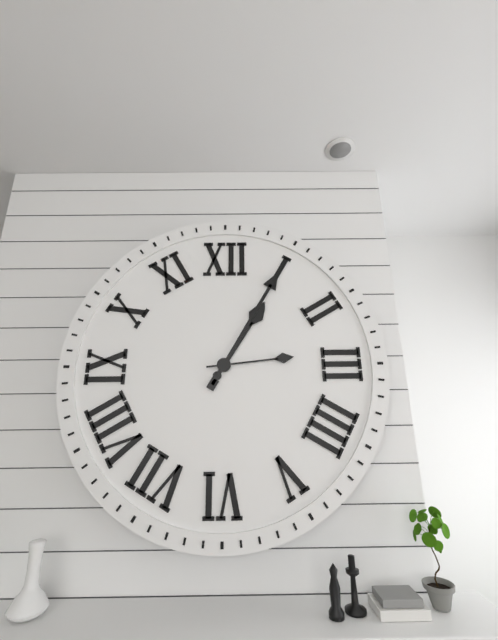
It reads 1 h 05 min 14 s
